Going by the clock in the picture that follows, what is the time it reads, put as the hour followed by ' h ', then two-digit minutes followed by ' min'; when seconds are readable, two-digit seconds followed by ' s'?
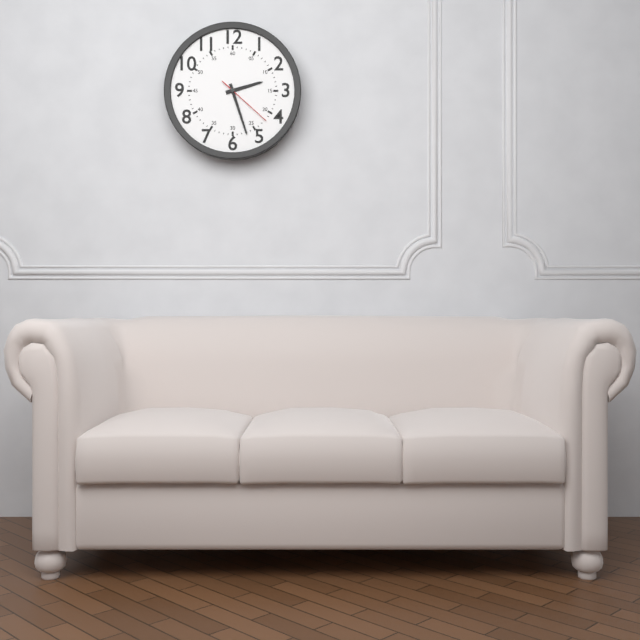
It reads 2 h 27 min 22 s
